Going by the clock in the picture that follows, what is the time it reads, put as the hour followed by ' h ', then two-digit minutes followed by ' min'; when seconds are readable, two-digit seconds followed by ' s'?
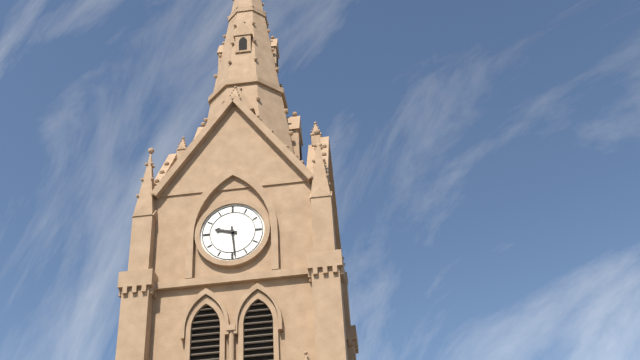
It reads 9 h 29 min
